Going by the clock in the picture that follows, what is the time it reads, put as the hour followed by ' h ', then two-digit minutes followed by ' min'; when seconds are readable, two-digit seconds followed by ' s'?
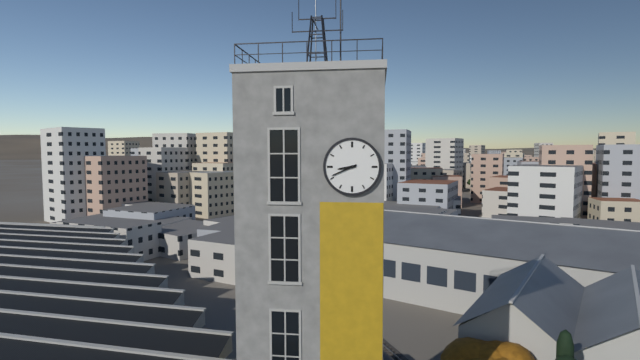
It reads 8 h 41 min
